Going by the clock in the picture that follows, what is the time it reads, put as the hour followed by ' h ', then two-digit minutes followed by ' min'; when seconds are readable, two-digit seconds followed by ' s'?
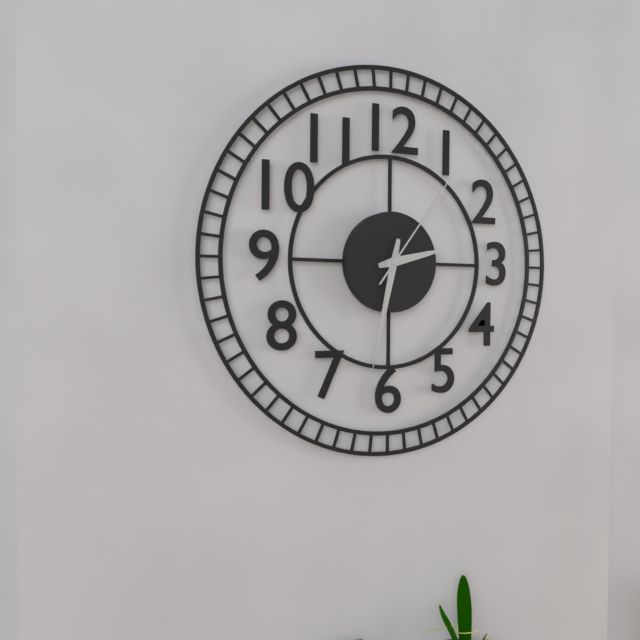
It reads 2 h 32 min 06 s
